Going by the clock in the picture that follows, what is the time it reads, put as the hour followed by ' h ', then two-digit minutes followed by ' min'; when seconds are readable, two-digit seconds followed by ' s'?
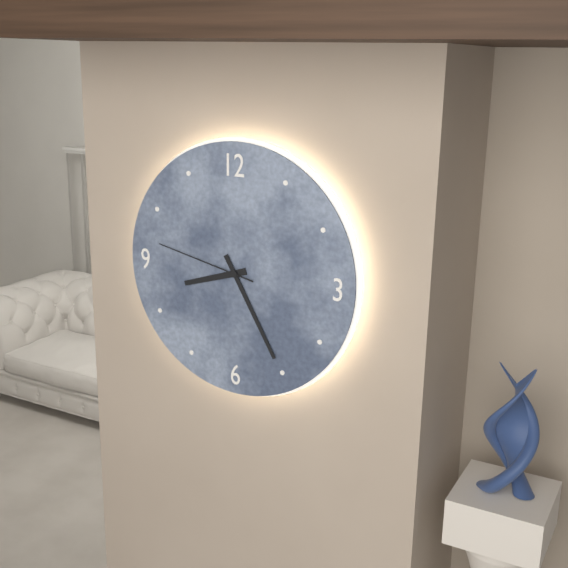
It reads 8 h 25 min 47 s
